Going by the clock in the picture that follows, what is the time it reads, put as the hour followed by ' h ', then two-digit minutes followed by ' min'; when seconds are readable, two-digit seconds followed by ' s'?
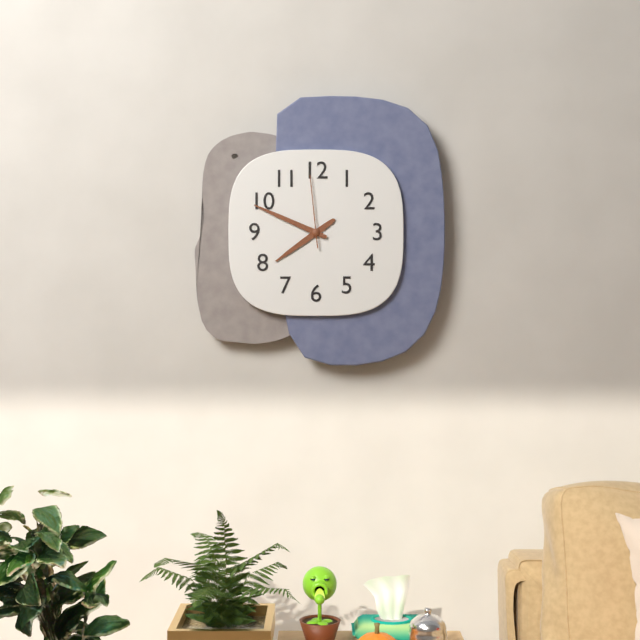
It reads 7 h 49 min 59 s
